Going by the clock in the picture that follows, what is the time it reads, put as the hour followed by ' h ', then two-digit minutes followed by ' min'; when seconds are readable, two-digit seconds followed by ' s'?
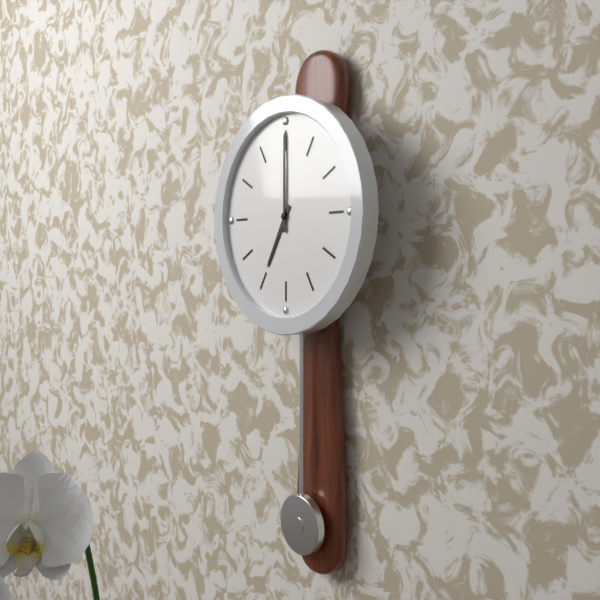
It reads 7 h 00 min
